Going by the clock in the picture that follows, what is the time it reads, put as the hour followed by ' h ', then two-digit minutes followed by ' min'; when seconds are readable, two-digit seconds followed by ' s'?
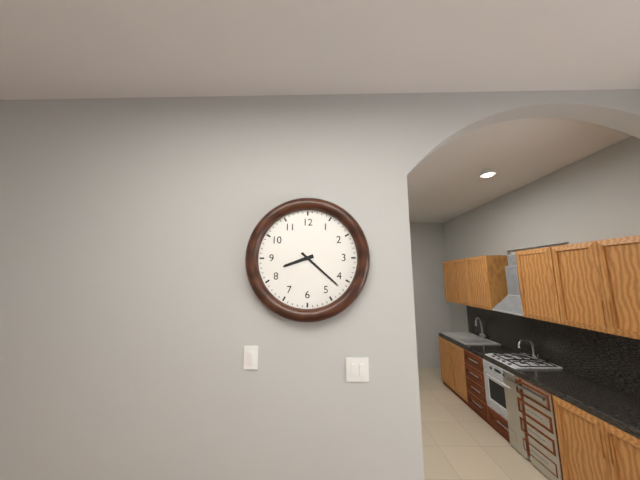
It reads 8 h 22 min
